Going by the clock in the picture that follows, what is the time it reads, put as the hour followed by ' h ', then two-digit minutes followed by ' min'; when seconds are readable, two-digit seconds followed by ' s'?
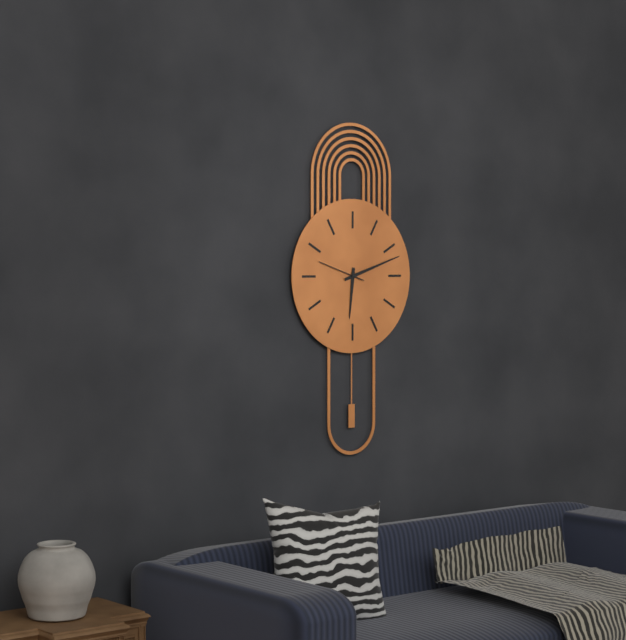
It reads 6 h 12 min
